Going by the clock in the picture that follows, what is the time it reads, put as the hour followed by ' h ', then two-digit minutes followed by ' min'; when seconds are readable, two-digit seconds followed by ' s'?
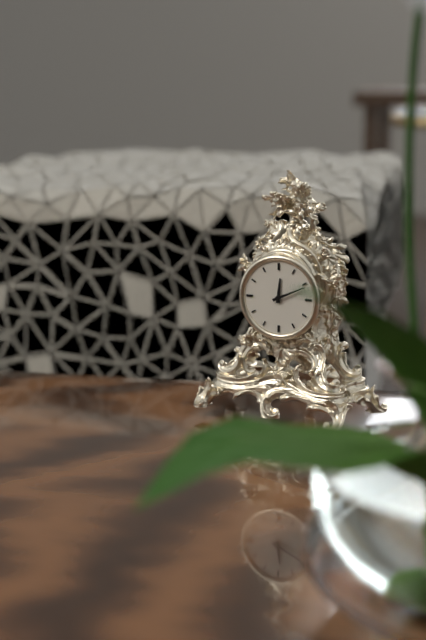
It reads 12 h 11 min
